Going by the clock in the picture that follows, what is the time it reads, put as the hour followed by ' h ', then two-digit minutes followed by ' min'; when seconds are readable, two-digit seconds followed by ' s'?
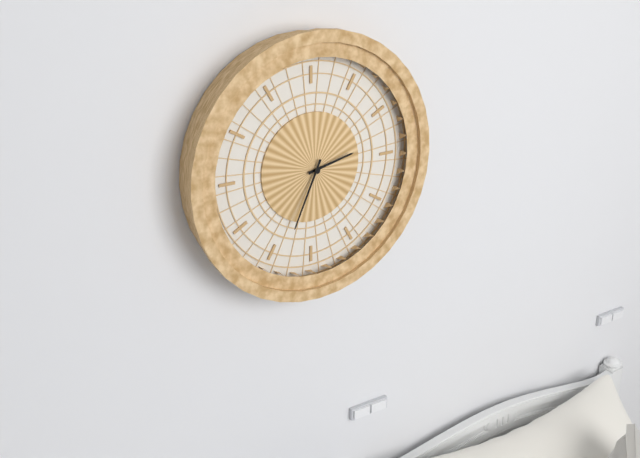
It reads 2 h 34 min
